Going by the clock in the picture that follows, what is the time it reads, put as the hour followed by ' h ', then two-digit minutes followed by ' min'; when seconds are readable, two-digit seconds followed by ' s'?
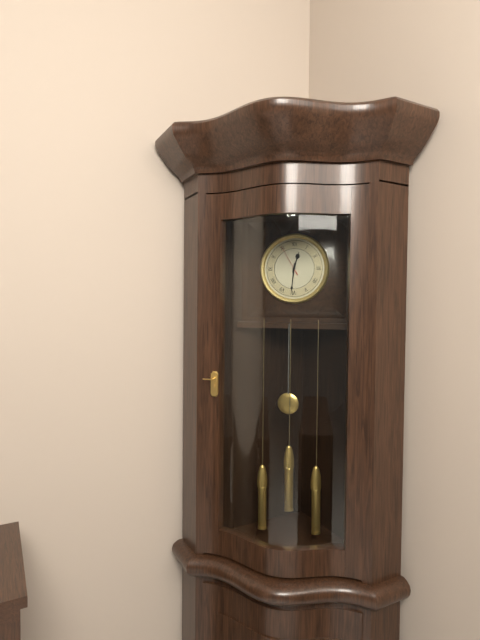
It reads 12 h 31 min
